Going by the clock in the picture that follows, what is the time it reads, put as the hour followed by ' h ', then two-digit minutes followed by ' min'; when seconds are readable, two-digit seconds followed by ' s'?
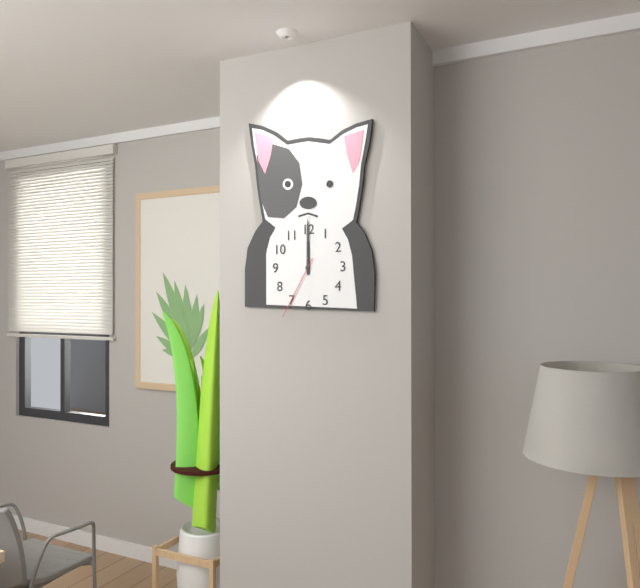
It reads 12 h 00 min 35 s
